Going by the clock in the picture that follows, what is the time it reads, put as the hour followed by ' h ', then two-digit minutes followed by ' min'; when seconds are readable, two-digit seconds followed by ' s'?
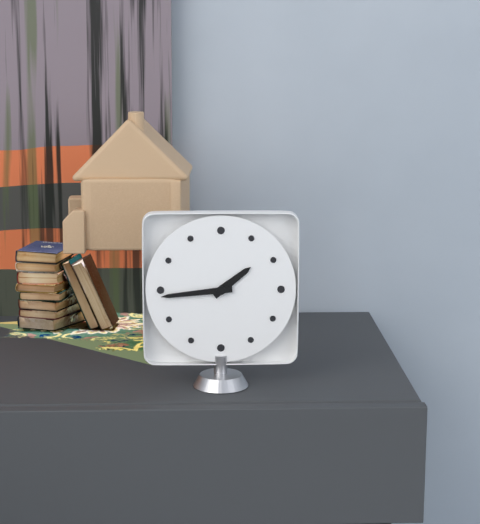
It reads 1 h 44 min
